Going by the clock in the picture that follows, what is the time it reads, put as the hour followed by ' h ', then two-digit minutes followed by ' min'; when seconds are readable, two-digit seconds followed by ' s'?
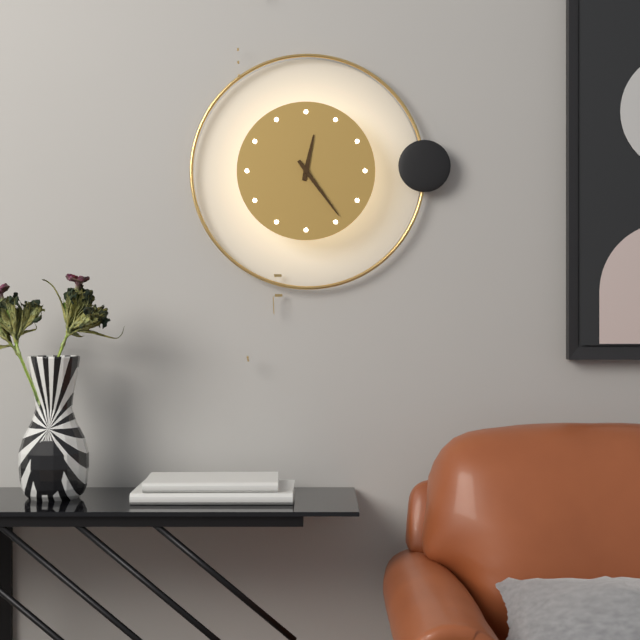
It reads 12 h 24 min
